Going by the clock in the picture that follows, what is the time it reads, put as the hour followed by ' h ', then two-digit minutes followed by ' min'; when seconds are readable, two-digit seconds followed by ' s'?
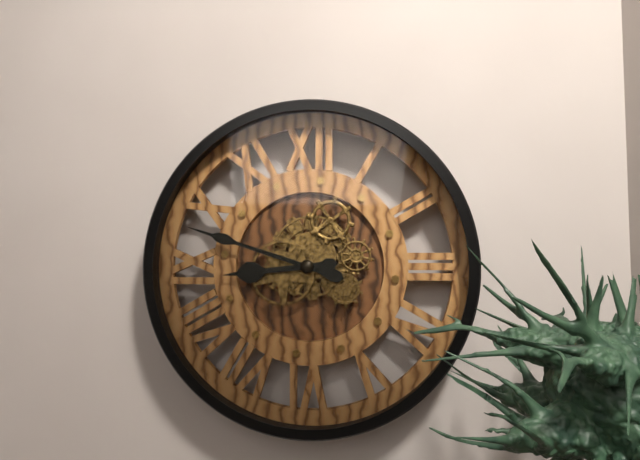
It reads 8 h 48 min
